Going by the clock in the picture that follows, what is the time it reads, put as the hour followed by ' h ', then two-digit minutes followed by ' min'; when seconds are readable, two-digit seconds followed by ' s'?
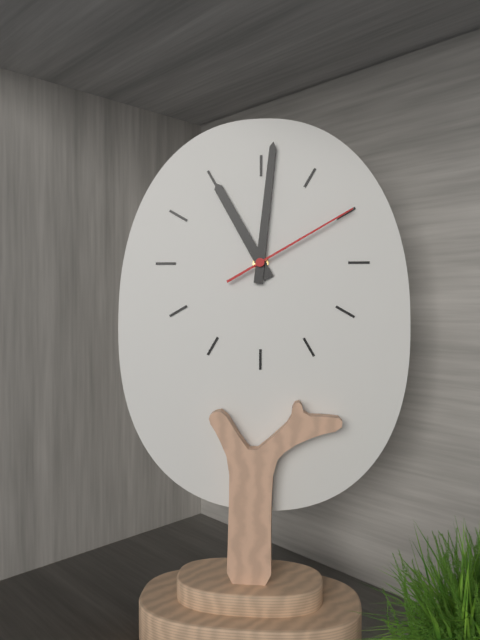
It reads 11 h 01 min 10 s
